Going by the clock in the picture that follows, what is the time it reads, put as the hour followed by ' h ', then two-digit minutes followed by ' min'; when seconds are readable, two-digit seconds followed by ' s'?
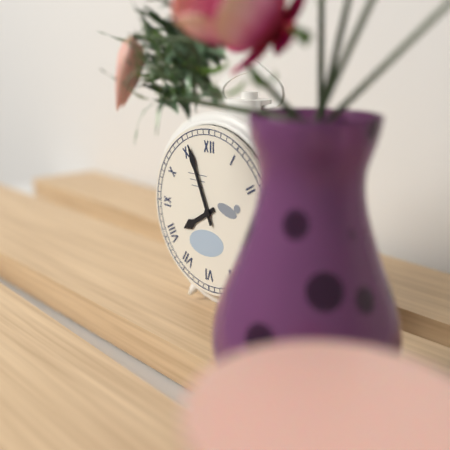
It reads 7 h 56 min
